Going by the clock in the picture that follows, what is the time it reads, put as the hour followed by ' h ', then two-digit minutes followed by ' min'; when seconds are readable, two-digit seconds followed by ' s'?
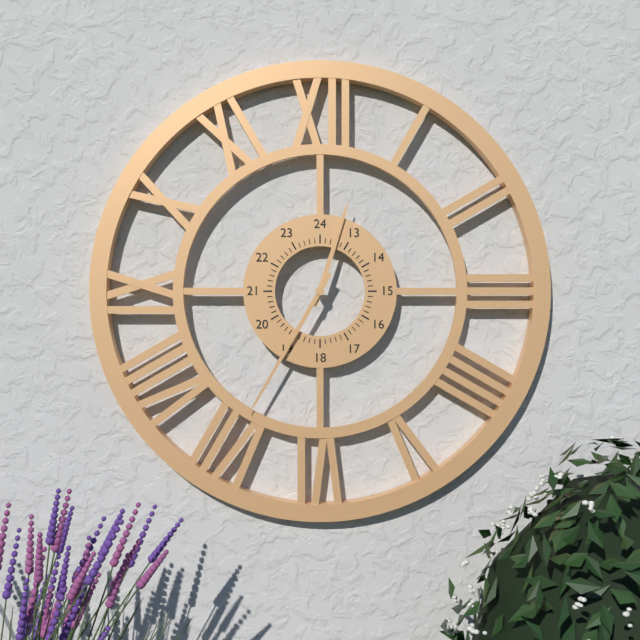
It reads 12 h 35 min
